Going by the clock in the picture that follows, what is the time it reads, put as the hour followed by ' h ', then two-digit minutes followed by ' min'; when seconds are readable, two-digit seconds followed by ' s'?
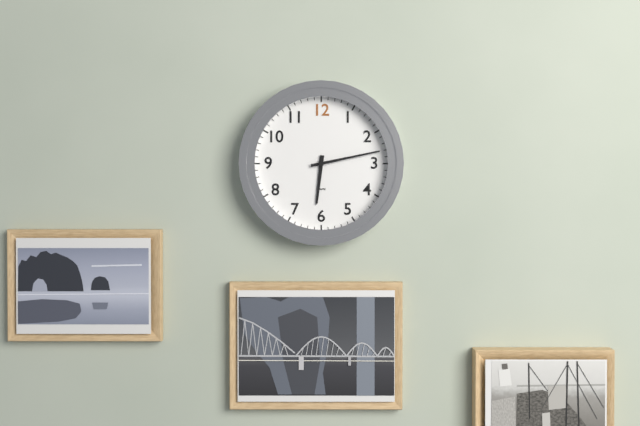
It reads 6 h 13 min
